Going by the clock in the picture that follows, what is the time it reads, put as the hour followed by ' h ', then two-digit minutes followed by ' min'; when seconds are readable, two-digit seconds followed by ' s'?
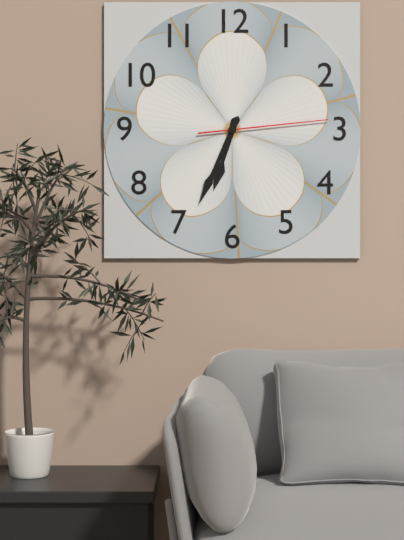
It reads 6 h 34 min 14 s
